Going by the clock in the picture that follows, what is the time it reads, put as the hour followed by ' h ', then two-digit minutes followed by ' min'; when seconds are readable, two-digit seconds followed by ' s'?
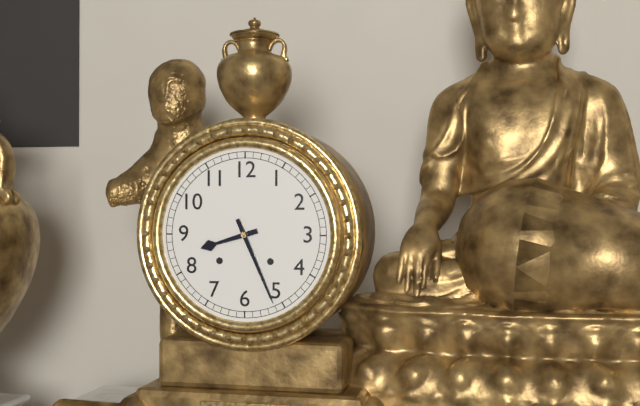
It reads 8 h 26 min
